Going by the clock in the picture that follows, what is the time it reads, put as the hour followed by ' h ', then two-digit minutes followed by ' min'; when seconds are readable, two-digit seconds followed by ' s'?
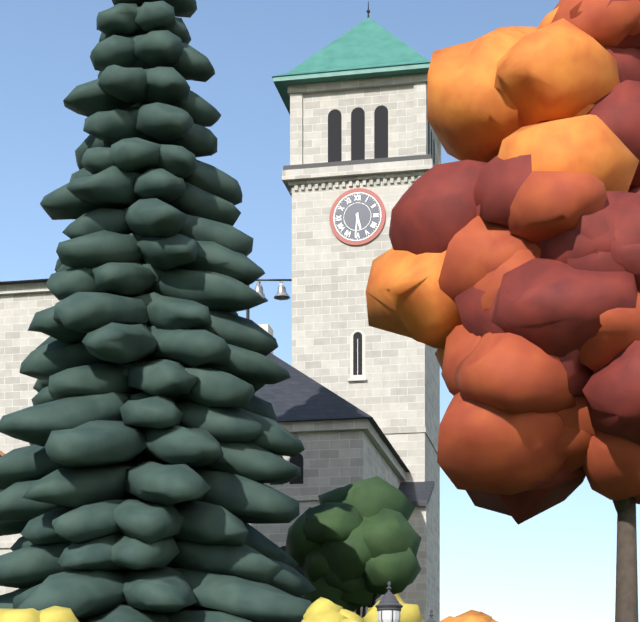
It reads 5 h 31 min
